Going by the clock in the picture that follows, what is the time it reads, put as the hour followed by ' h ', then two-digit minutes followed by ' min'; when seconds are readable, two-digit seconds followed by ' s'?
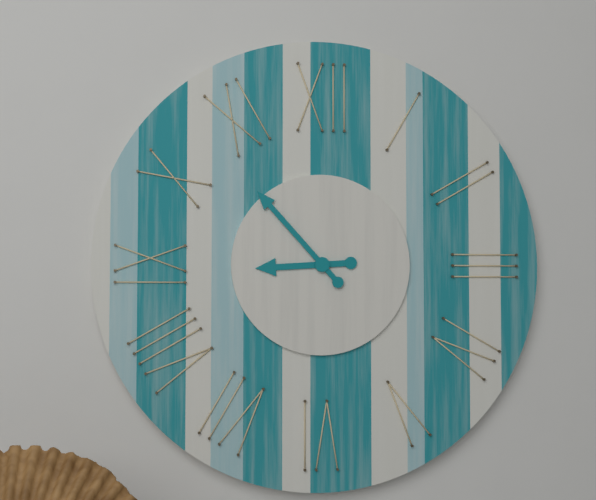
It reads 8 h 53 min
